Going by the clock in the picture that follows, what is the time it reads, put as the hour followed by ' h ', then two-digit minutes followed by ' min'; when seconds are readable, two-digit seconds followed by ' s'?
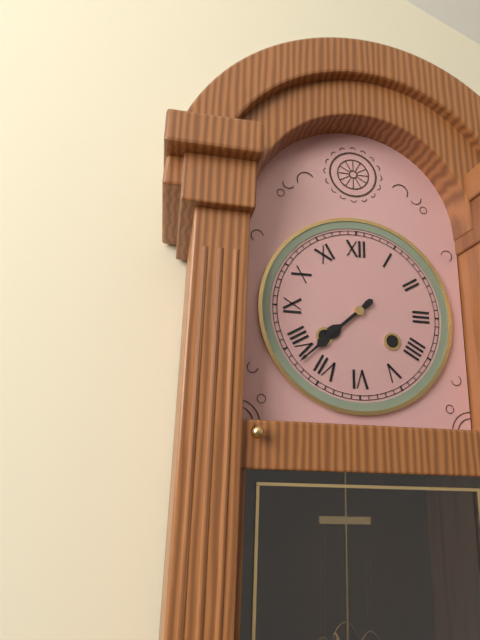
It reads 7 h 38 min
